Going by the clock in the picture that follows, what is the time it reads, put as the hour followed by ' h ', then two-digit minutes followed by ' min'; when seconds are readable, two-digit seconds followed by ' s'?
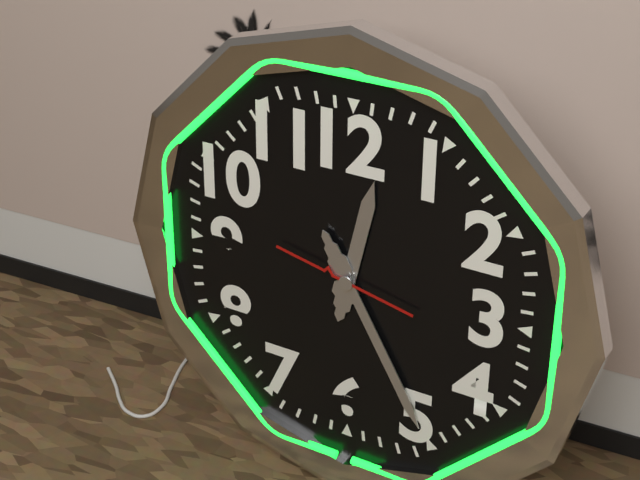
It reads 12 h 25 min 47 s
